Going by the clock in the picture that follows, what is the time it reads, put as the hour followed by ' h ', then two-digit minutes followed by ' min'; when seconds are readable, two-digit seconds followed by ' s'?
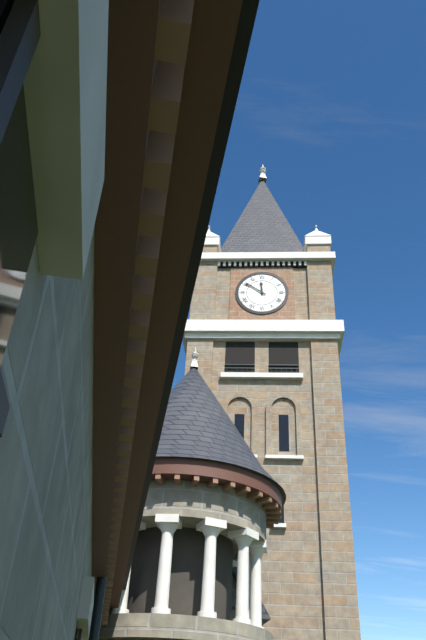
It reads 11 h 51 min
